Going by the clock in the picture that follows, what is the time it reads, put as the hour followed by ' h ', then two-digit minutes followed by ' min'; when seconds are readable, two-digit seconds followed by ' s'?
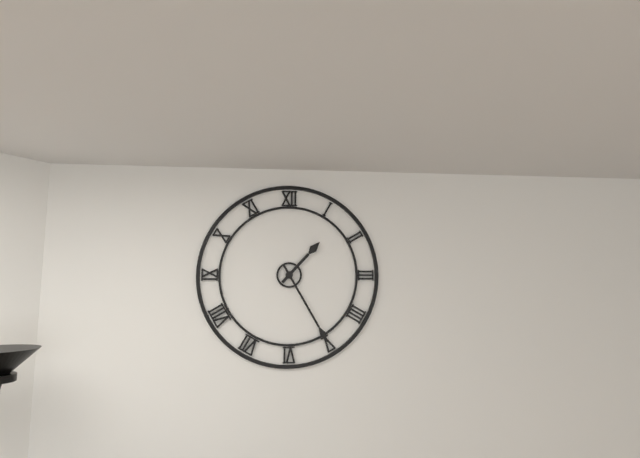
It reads 1 h 25 min
